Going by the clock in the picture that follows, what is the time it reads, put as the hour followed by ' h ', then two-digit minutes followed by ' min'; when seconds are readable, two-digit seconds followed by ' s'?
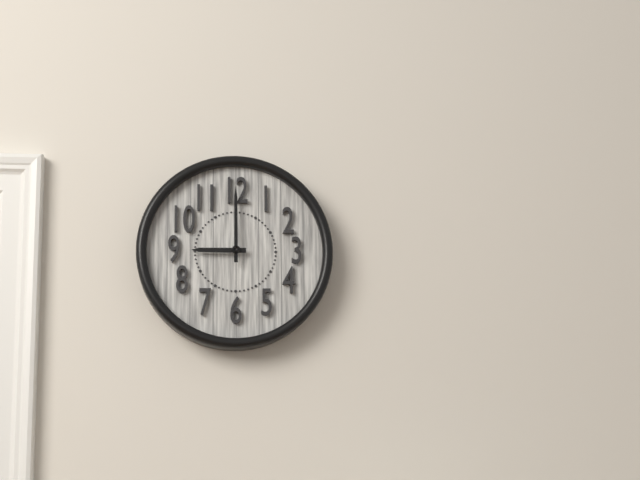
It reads 9 h 00 min
